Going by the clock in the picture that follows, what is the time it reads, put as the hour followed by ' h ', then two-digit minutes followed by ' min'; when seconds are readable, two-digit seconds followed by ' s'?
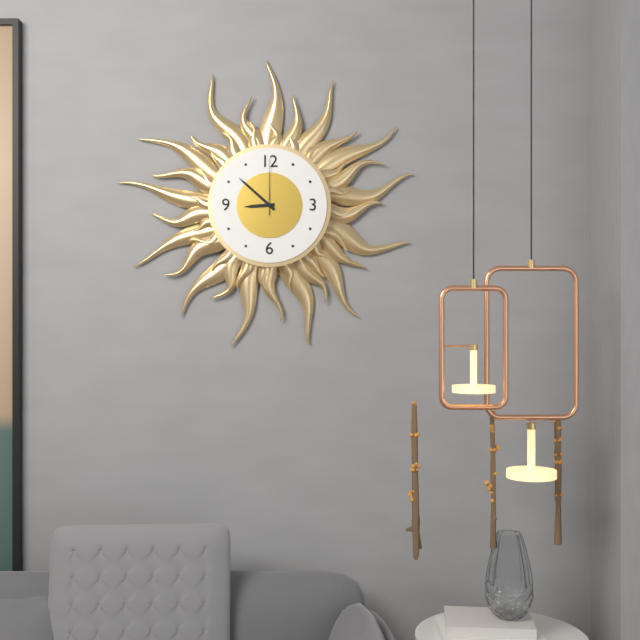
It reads 8 h 52 min 00 s
